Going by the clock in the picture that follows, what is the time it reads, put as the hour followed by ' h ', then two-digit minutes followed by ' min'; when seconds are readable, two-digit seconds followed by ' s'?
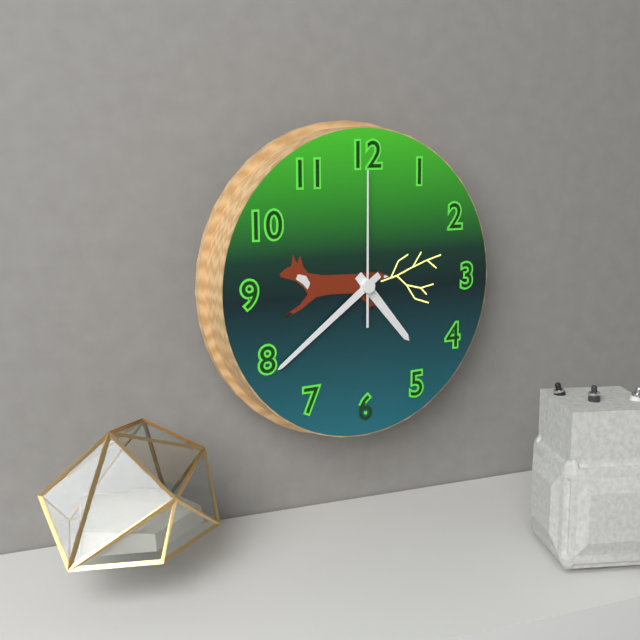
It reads 4 h 39 min 00 s
